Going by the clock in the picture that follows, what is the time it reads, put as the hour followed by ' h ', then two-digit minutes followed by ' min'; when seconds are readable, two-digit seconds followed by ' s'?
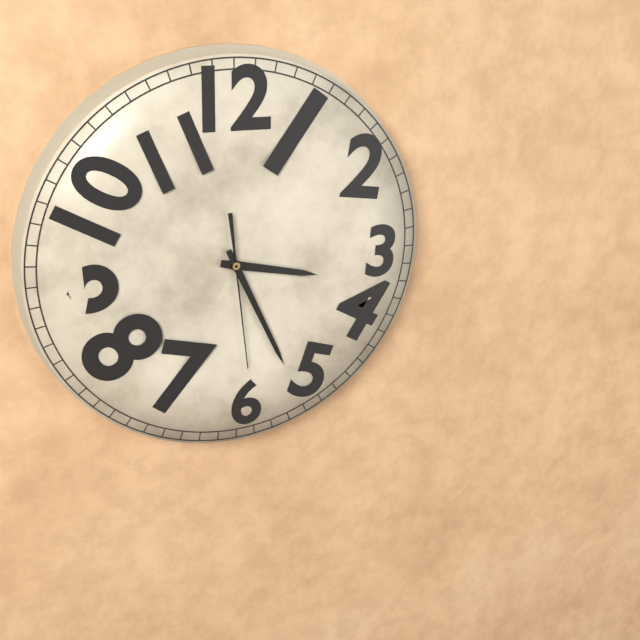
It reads 3 h 26 min 29 s
